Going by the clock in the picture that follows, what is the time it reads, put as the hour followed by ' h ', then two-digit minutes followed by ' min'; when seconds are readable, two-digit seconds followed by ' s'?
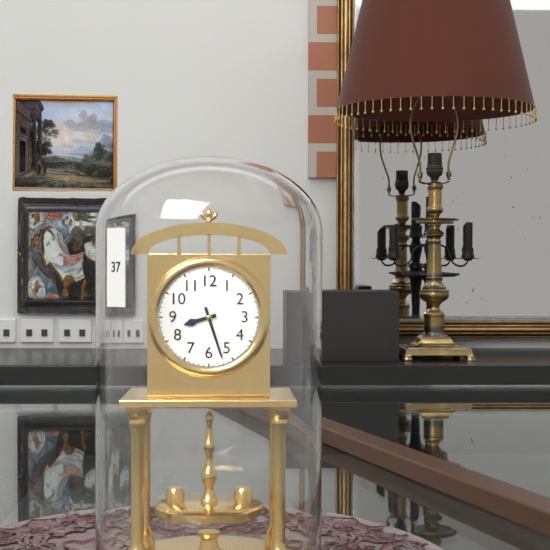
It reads 8 h 27 min
